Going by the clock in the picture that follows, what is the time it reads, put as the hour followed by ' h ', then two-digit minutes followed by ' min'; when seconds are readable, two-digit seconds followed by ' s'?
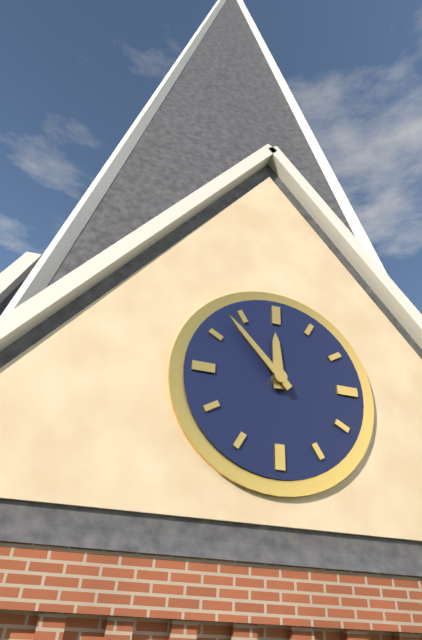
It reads 11 h 53 min
